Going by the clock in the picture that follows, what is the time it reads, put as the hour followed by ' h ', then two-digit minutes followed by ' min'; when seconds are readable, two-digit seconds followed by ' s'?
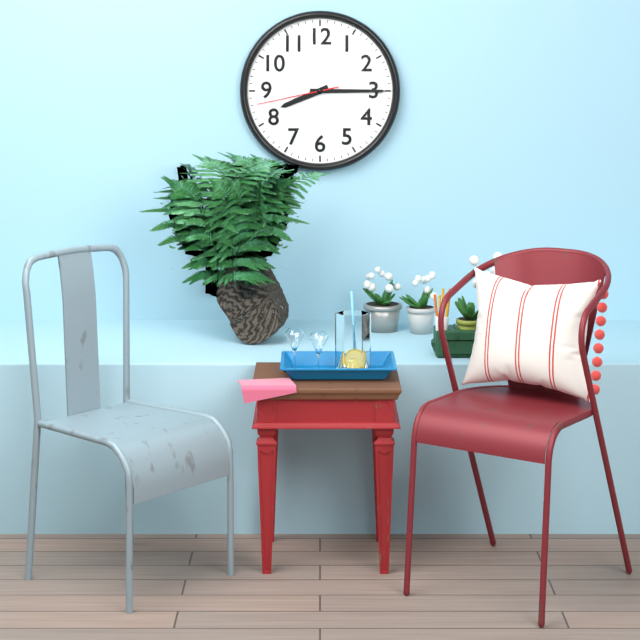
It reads 8 h 15 min 43 s
